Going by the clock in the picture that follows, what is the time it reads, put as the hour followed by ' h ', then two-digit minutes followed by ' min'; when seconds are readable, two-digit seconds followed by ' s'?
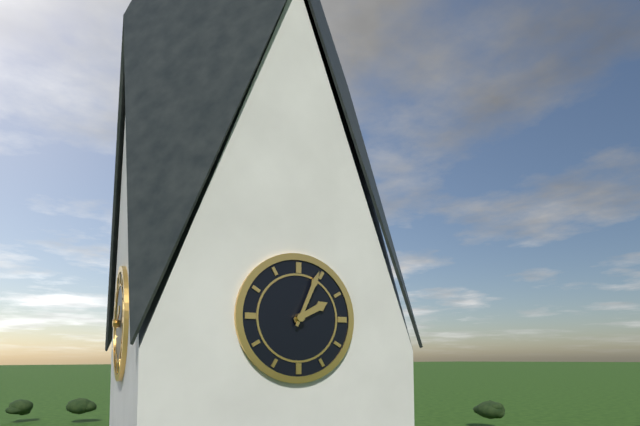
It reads 2 h 04 min
